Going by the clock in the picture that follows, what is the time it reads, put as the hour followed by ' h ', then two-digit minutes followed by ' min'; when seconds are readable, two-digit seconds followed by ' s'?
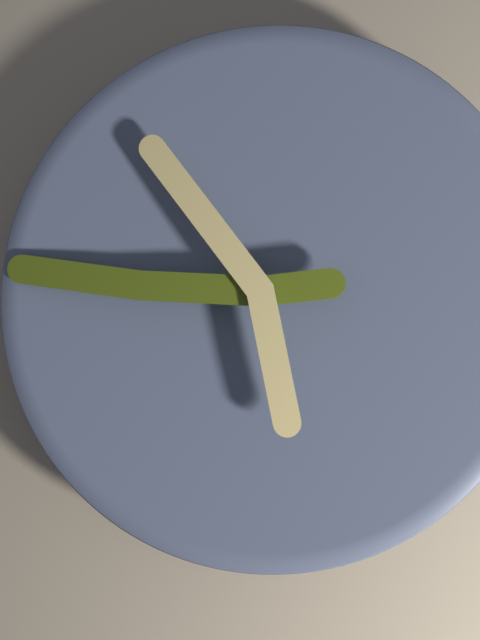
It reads 10 h 46 min
